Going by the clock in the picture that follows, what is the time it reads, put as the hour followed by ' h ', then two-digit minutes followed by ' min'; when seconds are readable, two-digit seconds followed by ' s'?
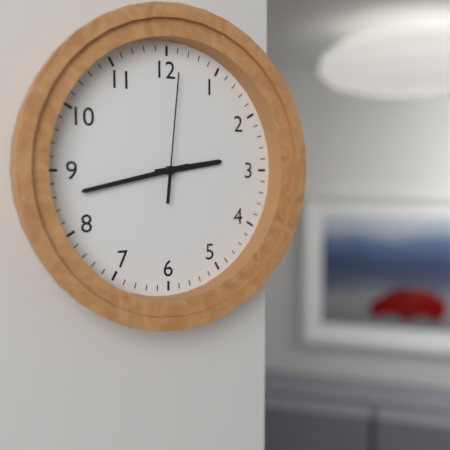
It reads 2 h 43 min 01 s
